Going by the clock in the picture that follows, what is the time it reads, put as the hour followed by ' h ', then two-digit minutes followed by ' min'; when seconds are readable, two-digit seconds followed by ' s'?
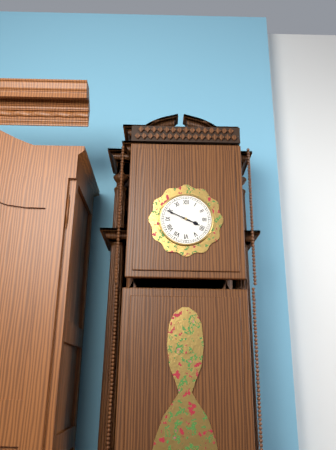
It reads 3 h 49 min
